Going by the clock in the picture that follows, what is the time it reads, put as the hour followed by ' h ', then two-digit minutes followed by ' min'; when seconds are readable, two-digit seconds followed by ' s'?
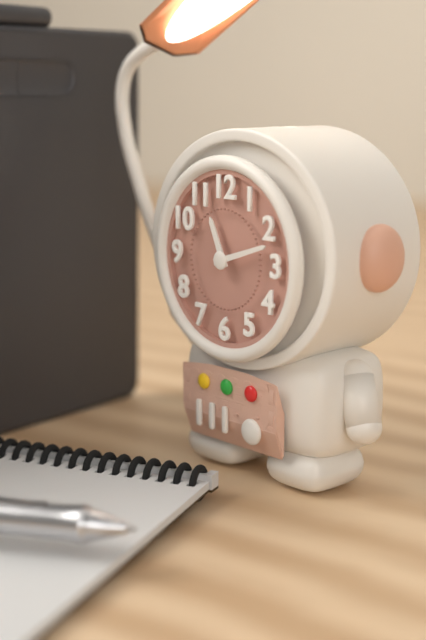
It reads 11 h 12 min
